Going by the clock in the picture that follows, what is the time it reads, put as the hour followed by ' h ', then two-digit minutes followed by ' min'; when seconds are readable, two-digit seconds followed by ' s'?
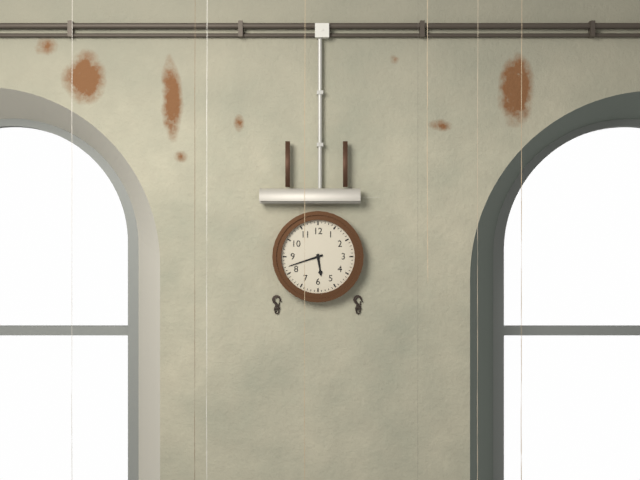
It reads 5 h 42 min
